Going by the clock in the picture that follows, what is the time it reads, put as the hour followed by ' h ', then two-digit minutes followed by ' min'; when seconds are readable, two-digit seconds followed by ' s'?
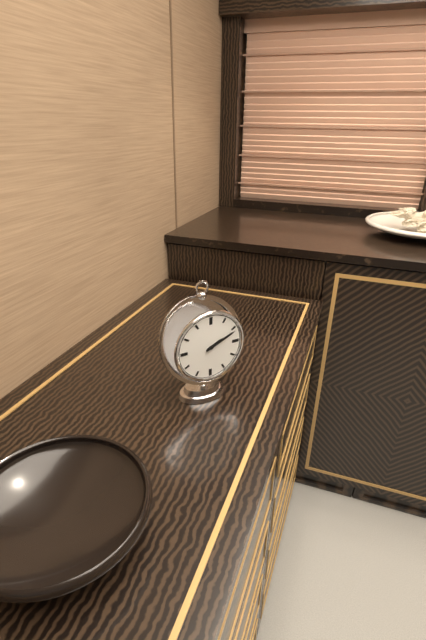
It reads 2 h 11 min
